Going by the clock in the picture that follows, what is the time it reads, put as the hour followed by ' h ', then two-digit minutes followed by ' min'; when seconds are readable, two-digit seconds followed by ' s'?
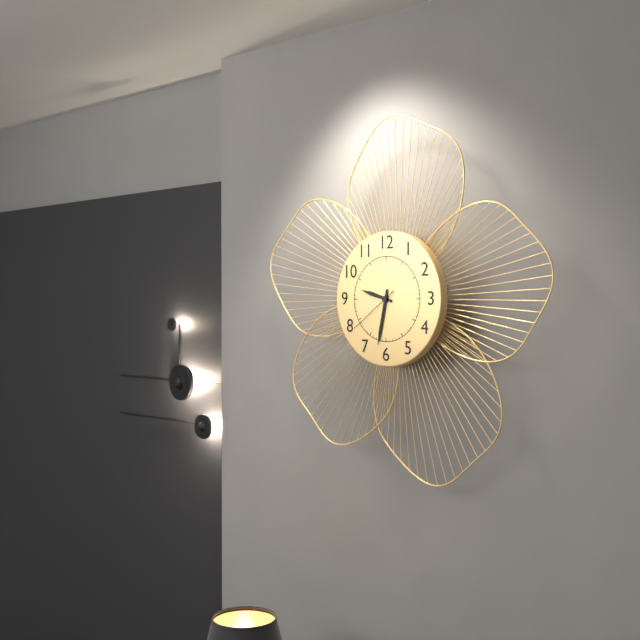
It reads 9 h 32 min 39 s
